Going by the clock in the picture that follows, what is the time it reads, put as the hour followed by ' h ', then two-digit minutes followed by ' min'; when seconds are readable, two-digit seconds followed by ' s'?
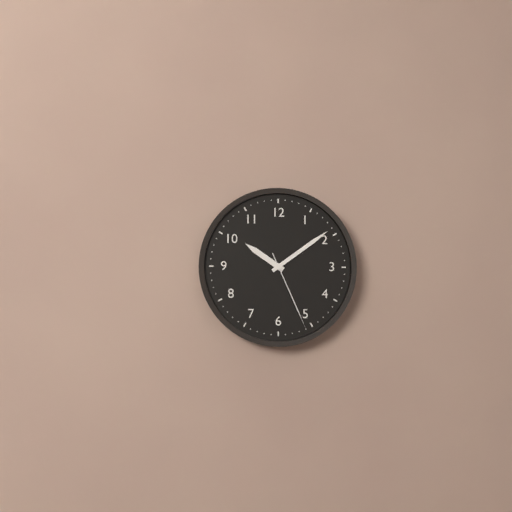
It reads 10 h 09 min 26 s
